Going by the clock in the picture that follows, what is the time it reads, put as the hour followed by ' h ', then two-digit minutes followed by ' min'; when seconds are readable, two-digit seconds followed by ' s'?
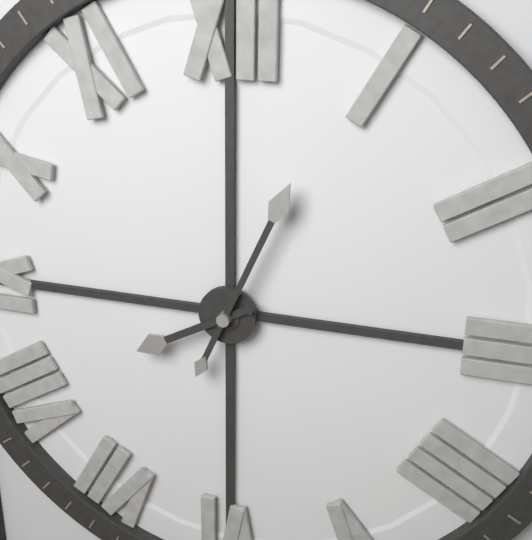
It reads 8 h 04 min
